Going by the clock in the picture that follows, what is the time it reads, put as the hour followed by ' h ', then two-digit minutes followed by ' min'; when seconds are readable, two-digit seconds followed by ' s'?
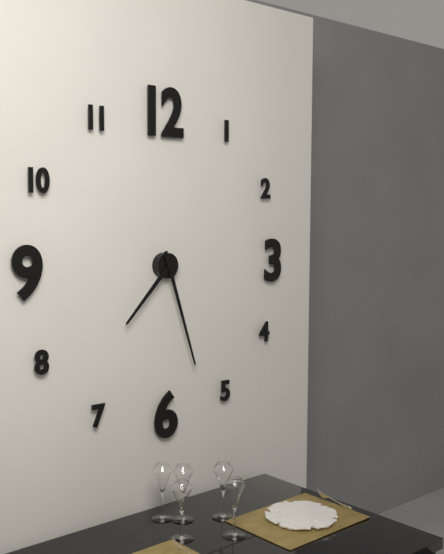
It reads 7 h 27 min
